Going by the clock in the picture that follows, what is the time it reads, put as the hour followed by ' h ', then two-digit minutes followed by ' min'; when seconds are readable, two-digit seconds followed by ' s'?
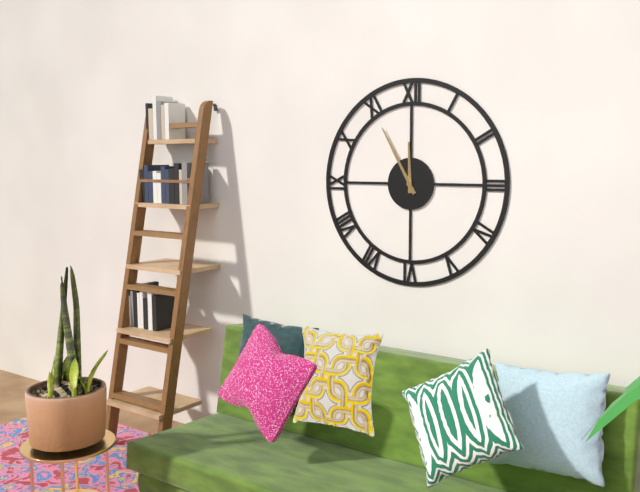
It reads 11 h 55 min
